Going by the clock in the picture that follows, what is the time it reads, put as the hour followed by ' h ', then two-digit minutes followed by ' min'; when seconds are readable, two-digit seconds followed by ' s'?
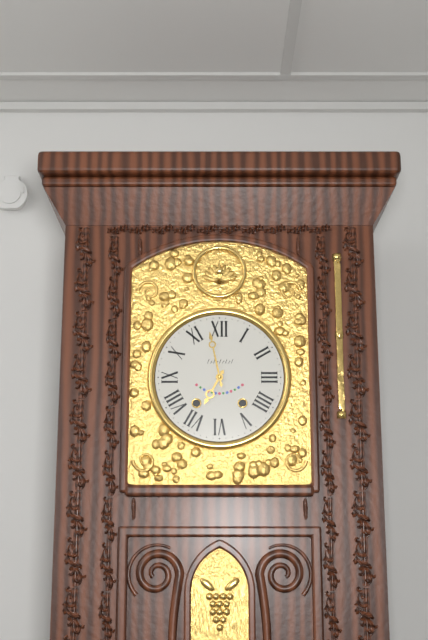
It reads 6 h 58 min
